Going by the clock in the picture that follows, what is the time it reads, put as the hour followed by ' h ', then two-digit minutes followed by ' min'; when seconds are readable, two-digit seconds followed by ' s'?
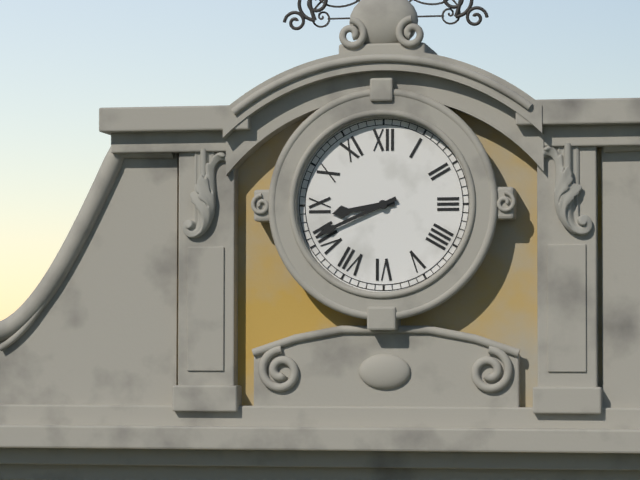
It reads 8 h 41 min
